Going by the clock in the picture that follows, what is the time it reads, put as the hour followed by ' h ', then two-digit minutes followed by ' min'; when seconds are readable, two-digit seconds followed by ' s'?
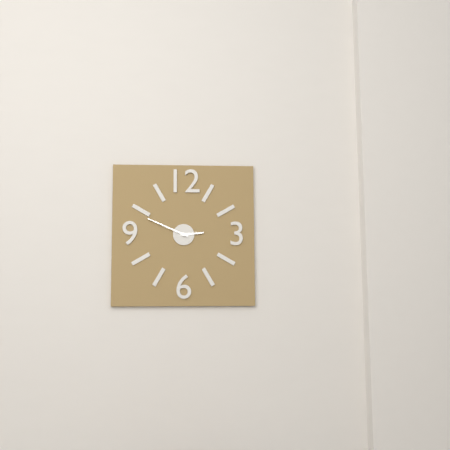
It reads 2 h 49 min
